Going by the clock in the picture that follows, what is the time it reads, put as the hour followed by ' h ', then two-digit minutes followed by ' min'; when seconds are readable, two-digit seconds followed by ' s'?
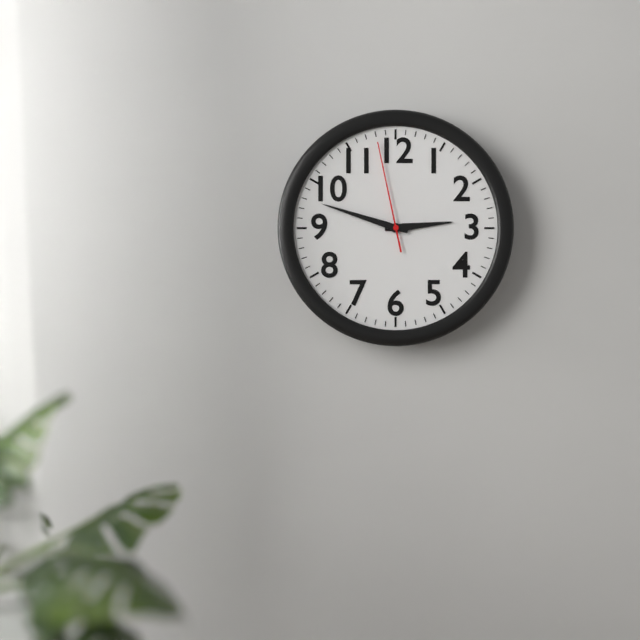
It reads 2 h 48 min 58 s
